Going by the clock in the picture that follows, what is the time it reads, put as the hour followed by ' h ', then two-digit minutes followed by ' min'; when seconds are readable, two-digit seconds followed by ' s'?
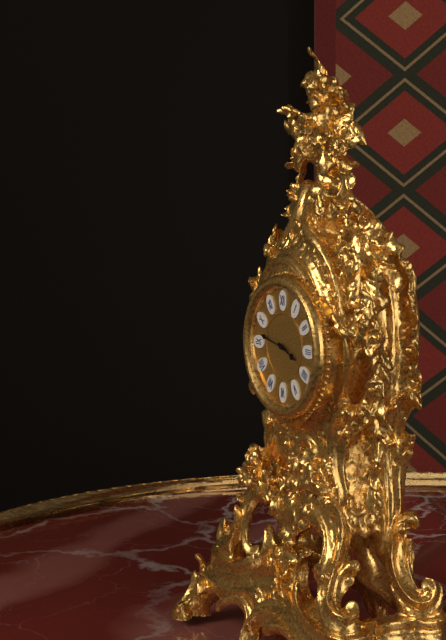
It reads 3 h 47 min
